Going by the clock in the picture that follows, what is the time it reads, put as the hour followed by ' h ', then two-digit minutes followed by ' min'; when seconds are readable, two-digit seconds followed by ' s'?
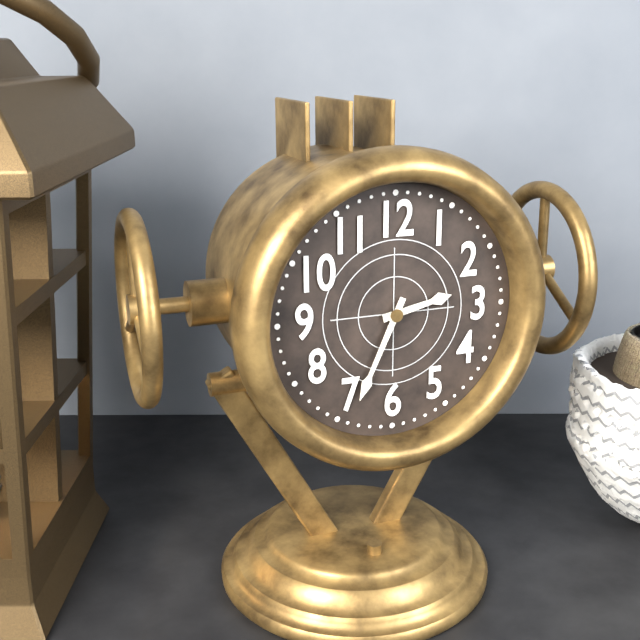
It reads 2 h 34 min
